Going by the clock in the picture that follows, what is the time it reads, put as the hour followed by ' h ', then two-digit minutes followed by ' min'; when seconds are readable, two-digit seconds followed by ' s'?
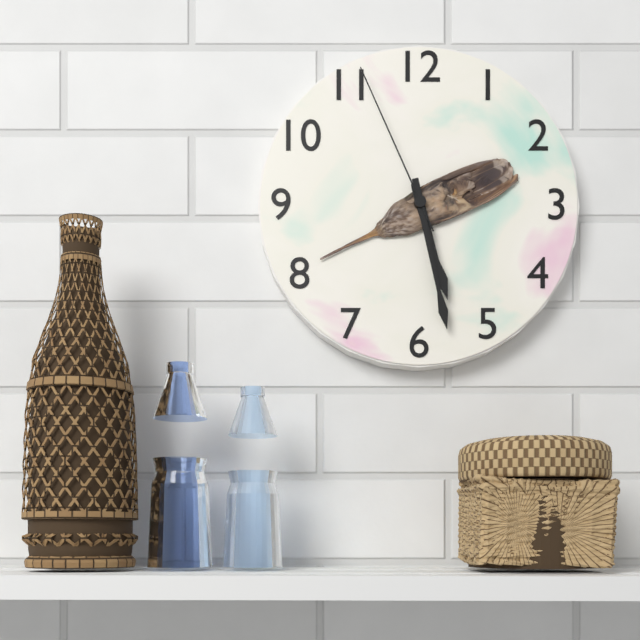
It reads 5 h 28 min 56 s
